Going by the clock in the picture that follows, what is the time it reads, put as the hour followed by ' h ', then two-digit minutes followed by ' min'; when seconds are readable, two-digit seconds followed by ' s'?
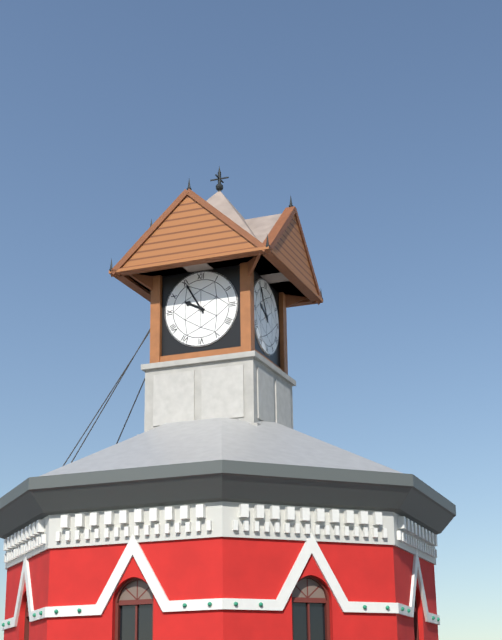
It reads 9 h 55 min
